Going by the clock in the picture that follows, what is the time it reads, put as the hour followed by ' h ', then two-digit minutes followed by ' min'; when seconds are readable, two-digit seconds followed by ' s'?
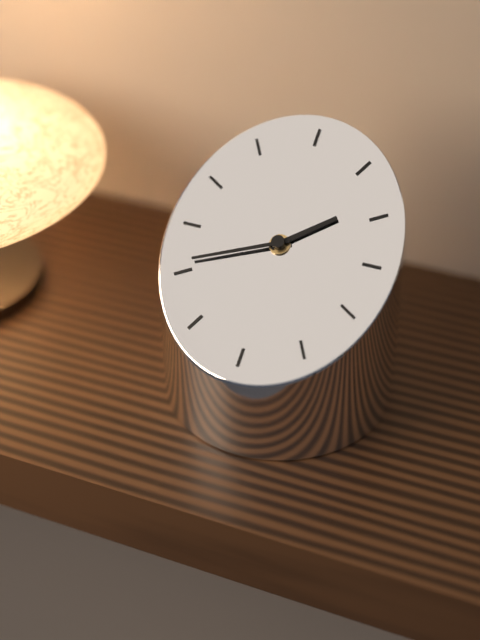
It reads 1 h 41 min
